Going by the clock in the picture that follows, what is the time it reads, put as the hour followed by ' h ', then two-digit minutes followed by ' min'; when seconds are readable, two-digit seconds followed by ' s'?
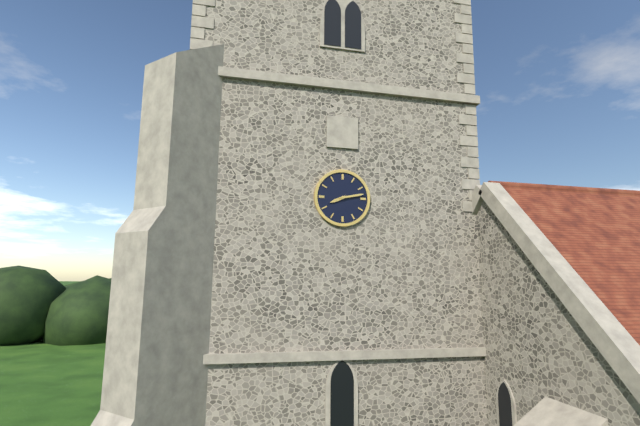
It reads 8 h 13 min
